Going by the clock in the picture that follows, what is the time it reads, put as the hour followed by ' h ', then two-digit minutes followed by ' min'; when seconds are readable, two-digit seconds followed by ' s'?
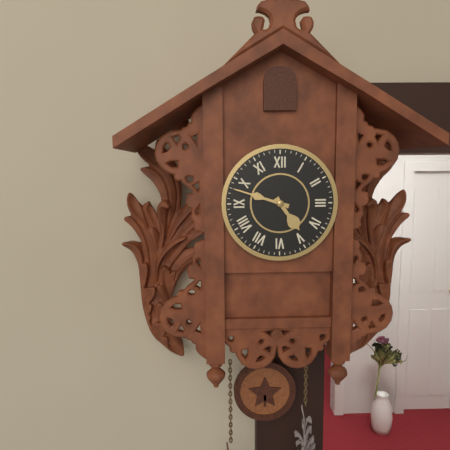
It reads 4 h 48 min
